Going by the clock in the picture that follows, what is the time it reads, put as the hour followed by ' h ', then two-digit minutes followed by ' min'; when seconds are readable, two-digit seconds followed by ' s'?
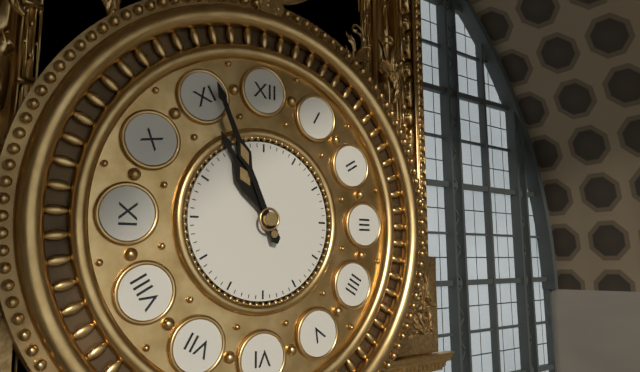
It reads 10 h 56 min
